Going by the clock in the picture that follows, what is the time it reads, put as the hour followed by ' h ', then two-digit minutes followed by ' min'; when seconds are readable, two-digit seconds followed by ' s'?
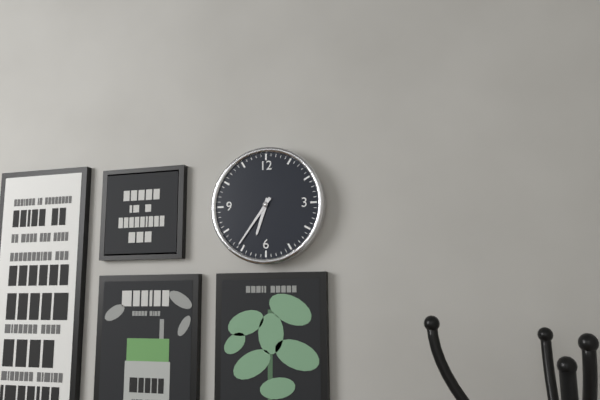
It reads 6 h 36 min
